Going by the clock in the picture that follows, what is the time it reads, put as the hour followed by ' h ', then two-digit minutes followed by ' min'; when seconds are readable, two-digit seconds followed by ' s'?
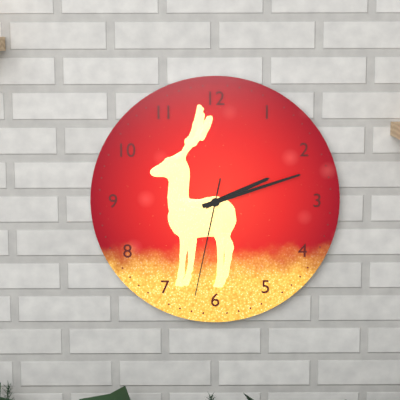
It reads 2 h 12 min 32 s
